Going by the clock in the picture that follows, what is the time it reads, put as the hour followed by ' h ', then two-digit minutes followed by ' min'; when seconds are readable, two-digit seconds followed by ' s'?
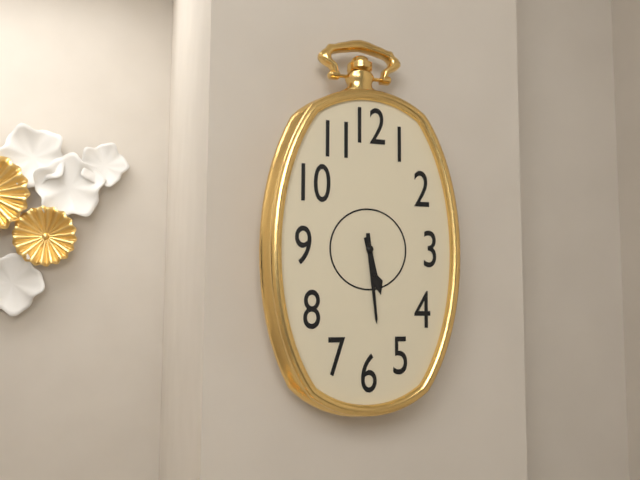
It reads 5 h 29 min
